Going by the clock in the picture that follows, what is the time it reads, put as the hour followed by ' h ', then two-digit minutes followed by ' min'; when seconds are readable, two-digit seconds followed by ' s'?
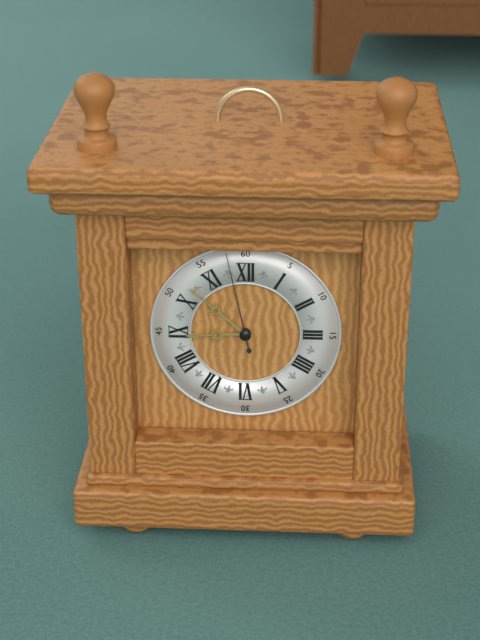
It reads 8 h 52 min 58 s
